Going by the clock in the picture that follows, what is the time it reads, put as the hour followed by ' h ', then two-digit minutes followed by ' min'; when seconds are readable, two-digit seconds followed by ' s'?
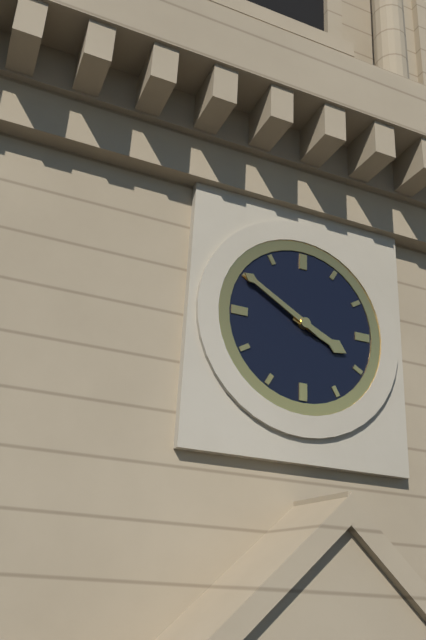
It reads 3 h 50 min
